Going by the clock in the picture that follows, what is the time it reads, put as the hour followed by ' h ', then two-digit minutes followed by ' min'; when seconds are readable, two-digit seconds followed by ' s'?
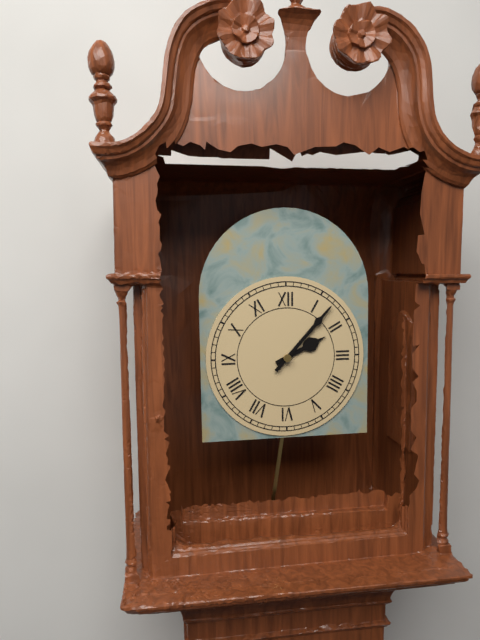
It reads 2 h 07 min
